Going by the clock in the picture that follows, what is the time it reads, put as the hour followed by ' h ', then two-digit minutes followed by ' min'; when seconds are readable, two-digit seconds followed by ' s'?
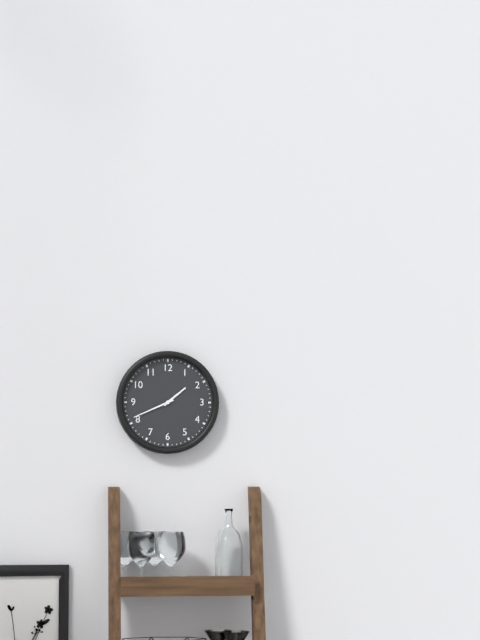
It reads 1 h 41 min
